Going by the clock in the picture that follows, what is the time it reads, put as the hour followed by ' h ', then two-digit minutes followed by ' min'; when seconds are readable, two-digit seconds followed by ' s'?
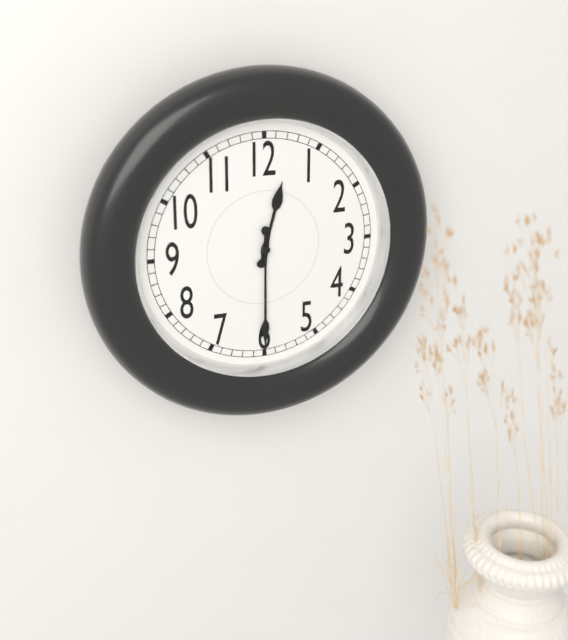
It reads 12 h 30 min
